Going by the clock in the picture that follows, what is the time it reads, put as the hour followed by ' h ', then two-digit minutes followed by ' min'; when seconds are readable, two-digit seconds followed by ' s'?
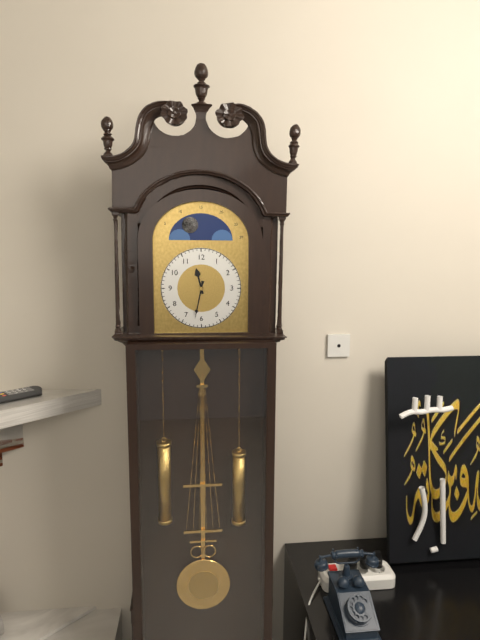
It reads 11 h 32 min
